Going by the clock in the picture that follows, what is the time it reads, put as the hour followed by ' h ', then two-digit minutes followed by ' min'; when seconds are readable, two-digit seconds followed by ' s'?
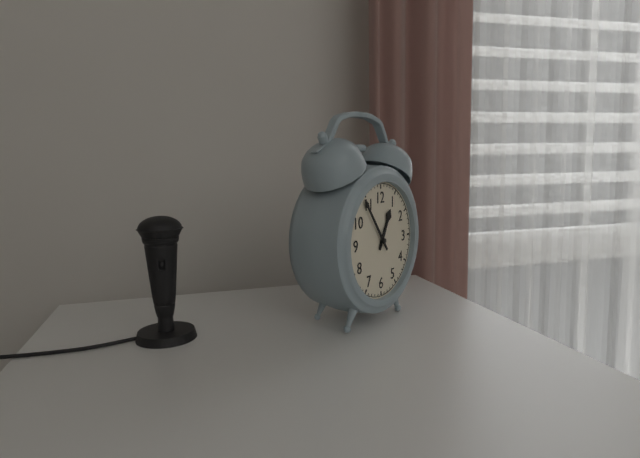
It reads 12 h 54 min
